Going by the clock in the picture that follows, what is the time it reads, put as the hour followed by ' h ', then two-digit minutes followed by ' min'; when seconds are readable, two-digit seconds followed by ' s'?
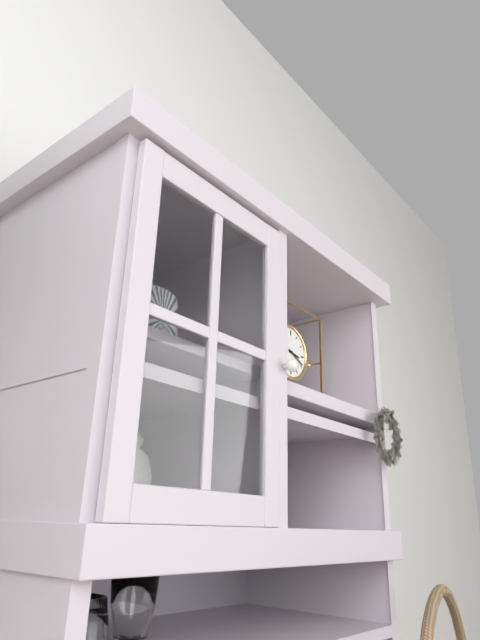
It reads 3 h 19 min
